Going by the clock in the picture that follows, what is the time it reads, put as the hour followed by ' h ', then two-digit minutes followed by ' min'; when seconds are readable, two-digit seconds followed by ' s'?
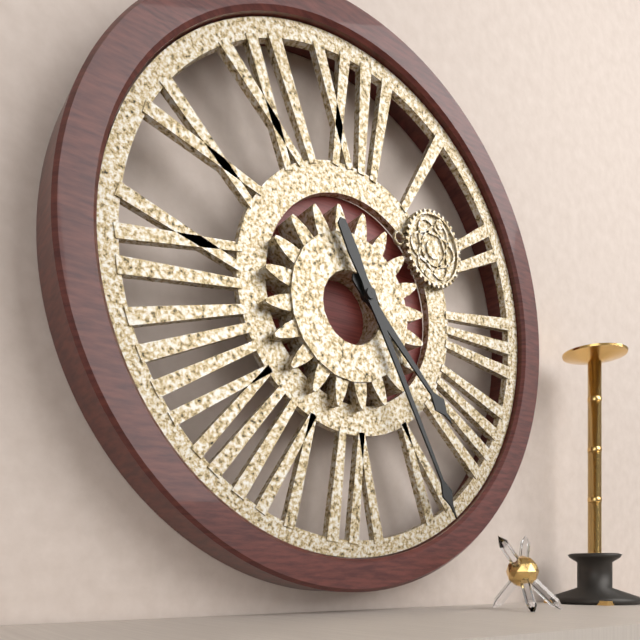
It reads 4 h 25 min
